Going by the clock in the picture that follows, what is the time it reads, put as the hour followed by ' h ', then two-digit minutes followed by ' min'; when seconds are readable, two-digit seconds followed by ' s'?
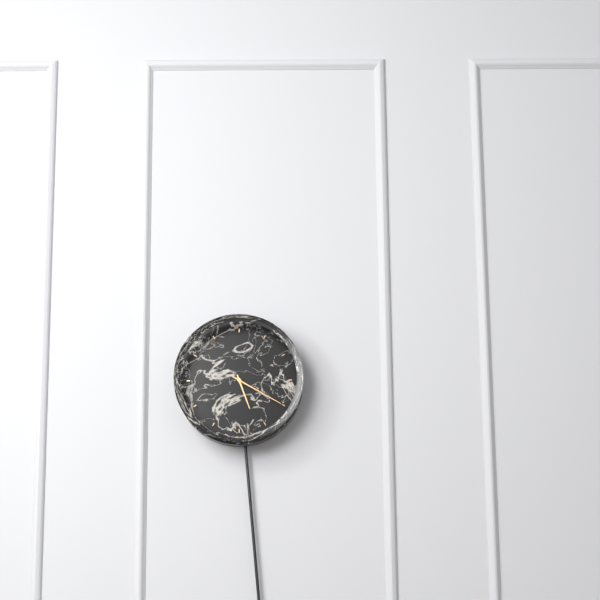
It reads 5 h 20 min
